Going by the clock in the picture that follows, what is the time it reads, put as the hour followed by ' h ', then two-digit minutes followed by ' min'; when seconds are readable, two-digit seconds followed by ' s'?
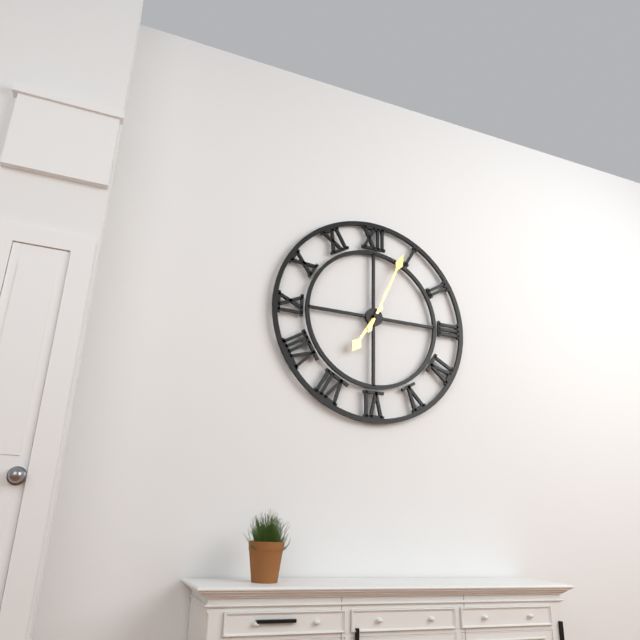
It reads 7 h 04 min
